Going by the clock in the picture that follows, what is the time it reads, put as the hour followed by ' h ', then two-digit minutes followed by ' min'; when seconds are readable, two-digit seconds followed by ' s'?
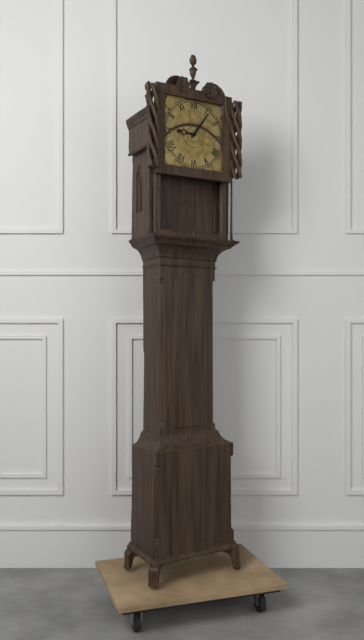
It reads 9 h 06 min
